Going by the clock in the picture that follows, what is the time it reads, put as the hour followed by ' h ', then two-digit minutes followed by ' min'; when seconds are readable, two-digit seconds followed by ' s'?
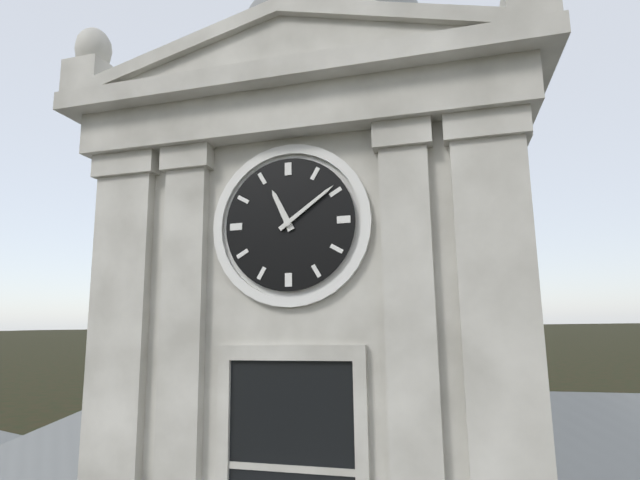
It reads 11 h 09 min
